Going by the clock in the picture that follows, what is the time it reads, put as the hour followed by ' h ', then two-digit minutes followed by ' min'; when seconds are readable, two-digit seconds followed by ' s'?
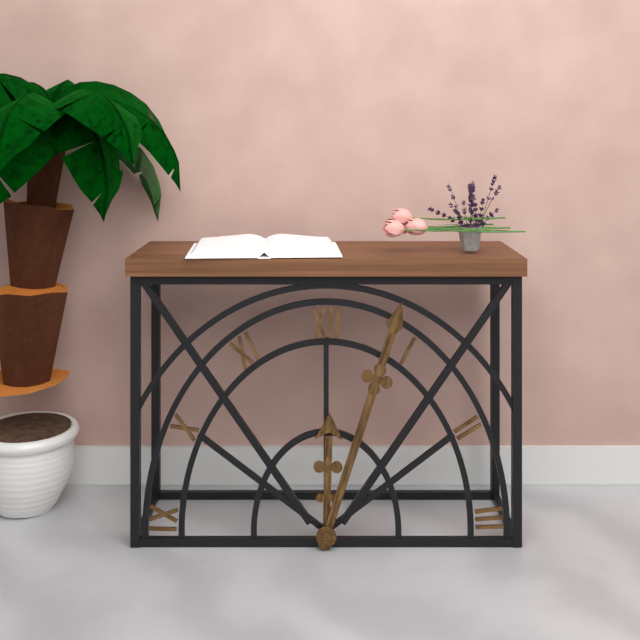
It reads 12 h 03 min
